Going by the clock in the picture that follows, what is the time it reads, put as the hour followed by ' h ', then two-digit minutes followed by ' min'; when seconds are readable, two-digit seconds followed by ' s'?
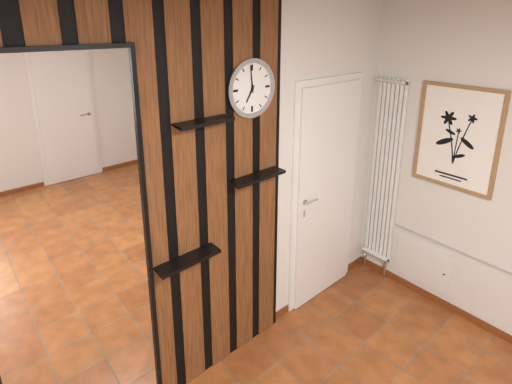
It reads 6 h 59 min
